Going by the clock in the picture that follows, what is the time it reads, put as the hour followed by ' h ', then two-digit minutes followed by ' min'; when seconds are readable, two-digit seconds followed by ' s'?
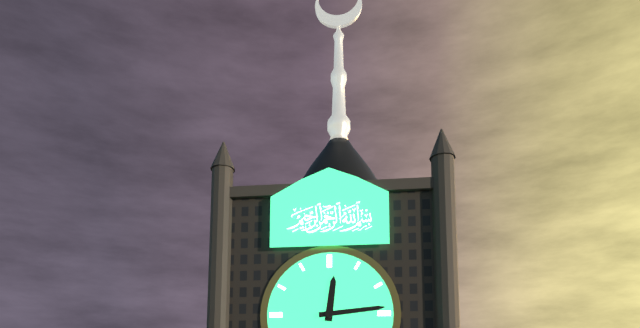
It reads 12 h 14 min
